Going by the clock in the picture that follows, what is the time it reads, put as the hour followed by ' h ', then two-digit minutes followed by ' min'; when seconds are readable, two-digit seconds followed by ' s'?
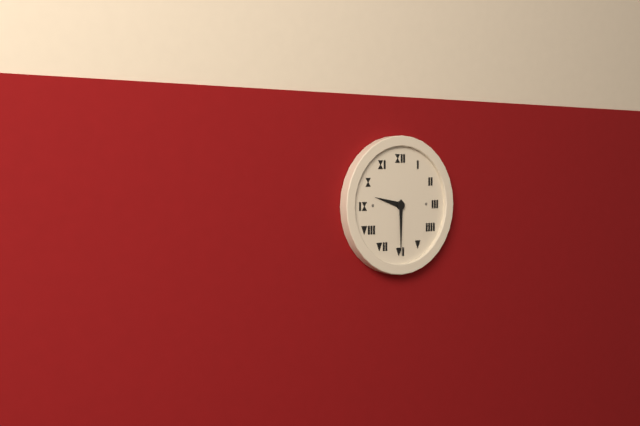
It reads 9 h 30 min
